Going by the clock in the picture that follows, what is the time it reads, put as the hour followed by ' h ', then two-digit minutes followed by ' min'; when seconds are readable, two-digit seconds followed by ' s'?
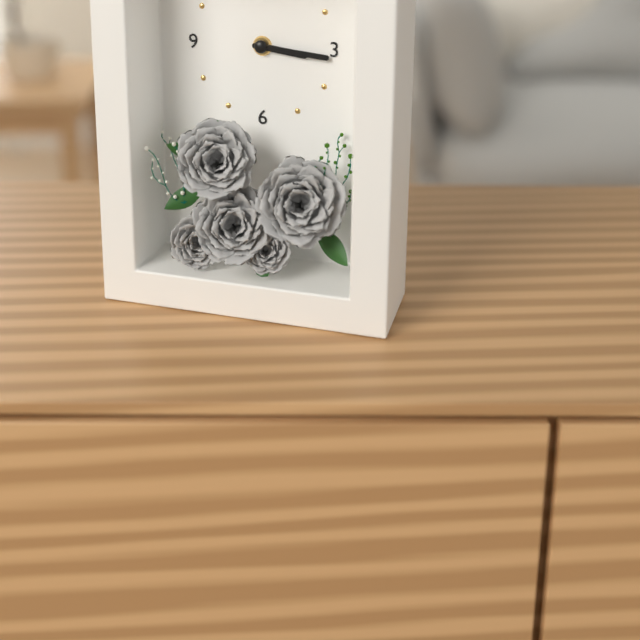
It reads 3 h 16 min
